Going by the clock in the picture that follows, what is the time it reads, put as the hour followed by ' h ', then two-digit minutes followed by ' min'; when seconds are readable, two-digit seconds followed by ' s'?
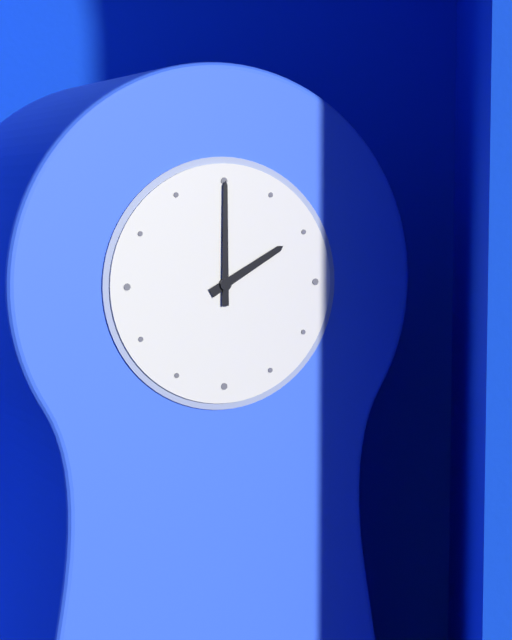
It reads 2 h 00 min
